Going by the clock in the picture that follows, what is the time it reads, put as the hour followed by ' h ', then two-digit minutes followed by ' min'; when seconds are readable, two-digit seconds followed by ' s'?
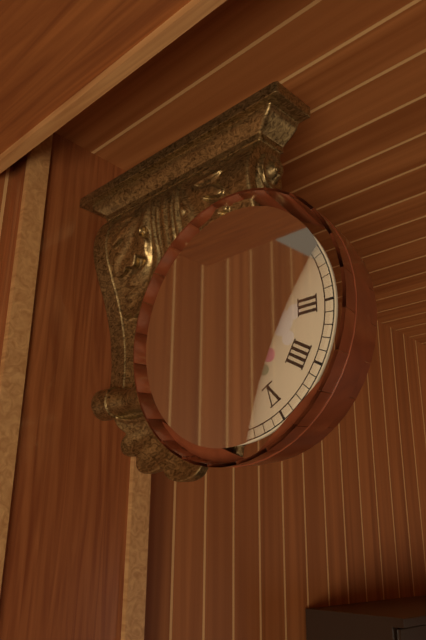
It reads 10 h 37 min
